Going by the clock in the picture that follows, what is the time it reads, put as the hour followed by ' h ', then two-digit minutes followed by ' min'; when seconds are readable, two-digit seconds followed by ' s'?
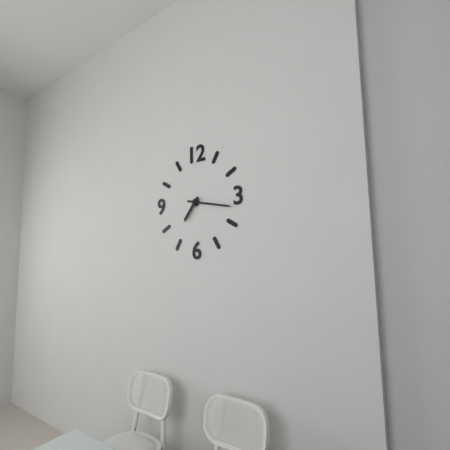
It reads 7 h 17 min
